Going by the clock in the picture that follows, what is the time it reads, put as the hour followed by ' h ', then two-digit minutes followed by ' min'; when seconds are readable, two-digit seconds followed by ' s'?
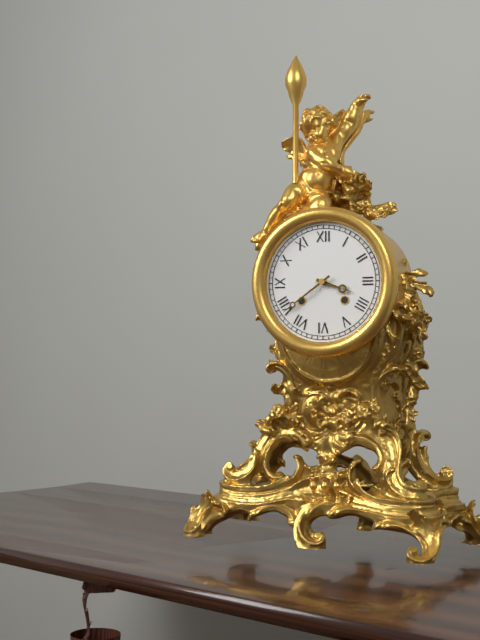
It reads 3 h 39 min
